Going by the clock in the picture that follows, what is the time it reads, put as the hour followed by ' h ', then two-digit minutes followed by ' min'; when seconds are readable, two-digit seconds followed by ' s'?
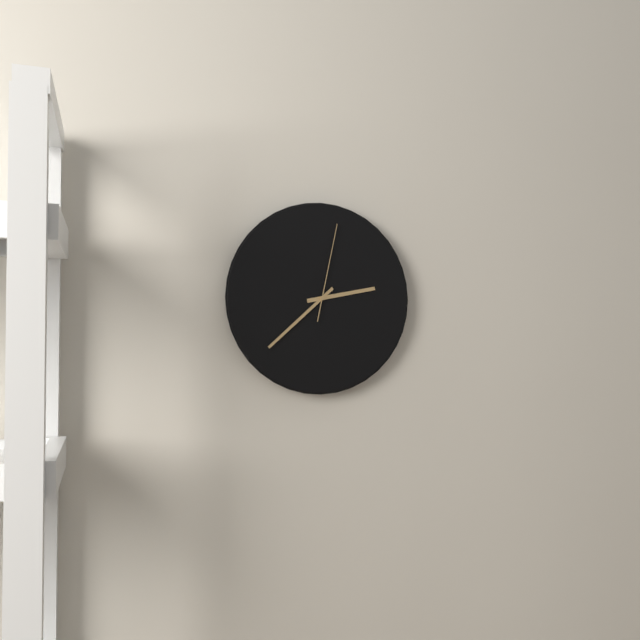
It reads 2 h 38 min 02 s
